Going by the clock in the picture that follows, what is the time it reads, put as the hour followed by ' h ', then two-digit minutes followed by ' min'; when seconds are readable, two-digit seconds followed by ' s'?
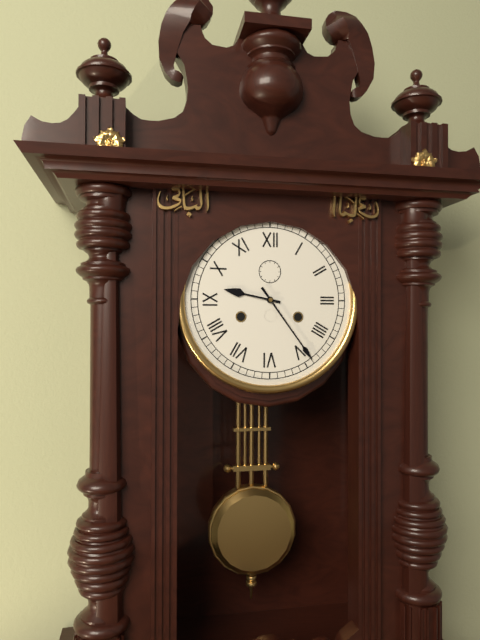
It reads 9 h 24 min
